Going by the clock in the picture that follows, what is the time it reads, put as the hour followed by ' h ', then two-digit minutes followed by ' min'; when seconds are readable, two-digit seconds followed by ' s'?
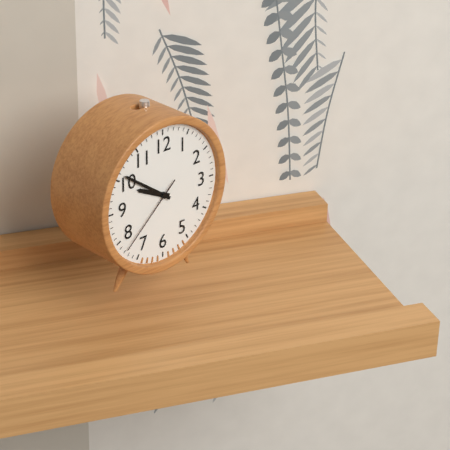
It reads 9 h 51 min 38 s
